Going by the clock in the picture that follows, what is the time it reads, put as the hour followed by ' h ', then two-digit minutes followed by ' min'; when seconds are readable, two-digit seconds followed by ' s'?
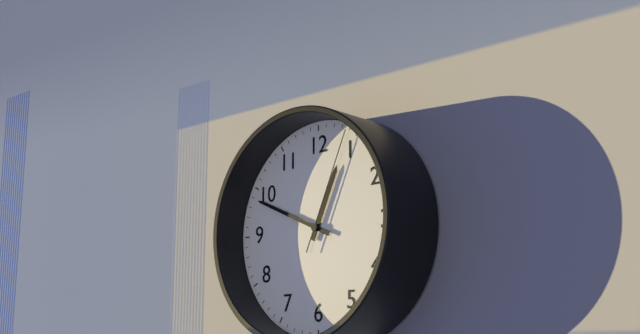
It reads 12 h 49 min 04 s
